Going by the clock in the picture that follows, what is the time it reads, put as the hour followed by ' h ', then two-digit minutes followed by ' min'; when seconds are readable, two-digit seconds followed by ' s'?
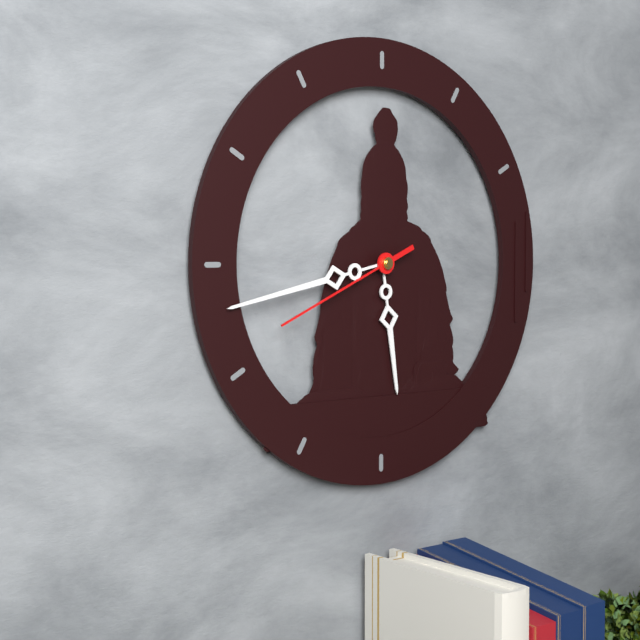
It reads 5 h 43 min 41 s
